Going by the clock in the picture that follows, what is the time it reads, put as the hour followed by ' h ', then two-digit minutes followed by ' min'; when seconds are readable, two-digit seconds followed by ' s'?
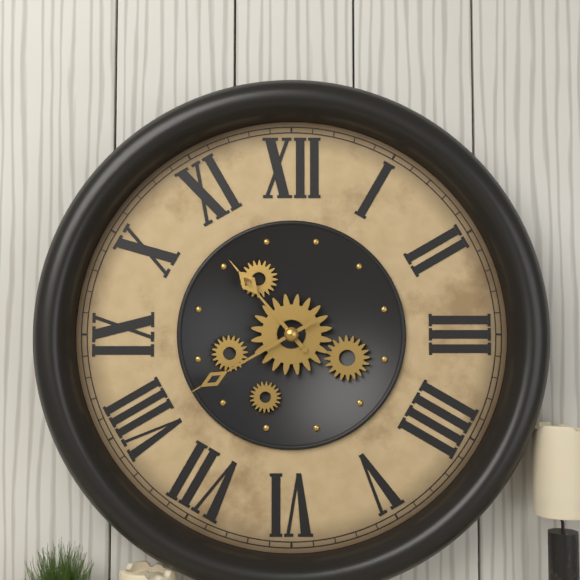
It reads 10 h 40 min
